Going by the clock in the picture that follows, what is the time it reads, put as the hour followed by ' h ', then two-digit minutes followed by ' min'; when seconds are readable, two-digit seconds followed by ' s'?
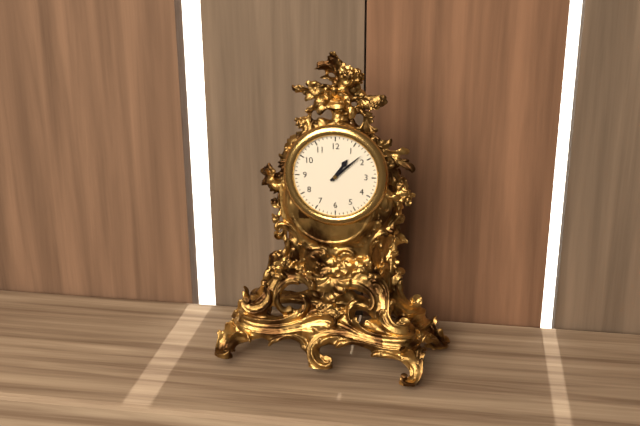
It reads 1 h 08 min
